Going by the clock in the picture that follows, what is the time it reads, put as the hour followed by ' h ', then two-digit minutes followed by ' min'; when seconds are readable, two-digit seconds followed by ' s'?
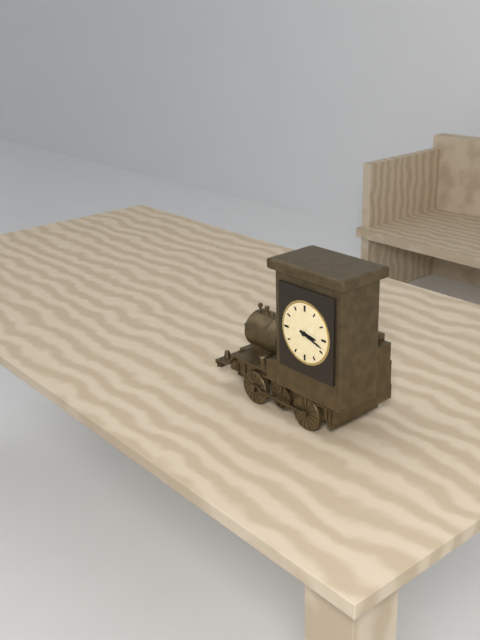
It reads 3 h 18 min
